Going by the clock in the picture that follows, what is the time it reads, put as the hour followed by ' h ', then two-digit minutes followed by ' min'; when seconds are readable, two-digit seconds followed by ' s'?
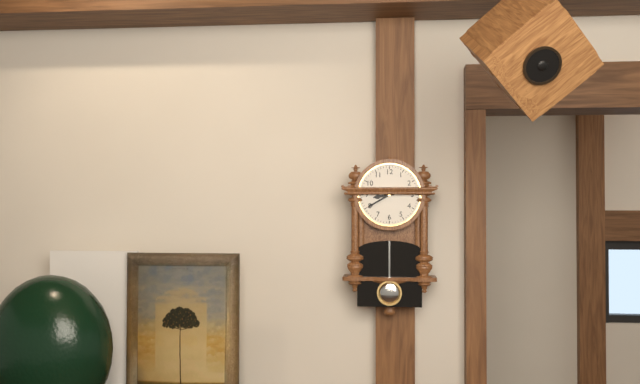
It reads 8 h 40 min
